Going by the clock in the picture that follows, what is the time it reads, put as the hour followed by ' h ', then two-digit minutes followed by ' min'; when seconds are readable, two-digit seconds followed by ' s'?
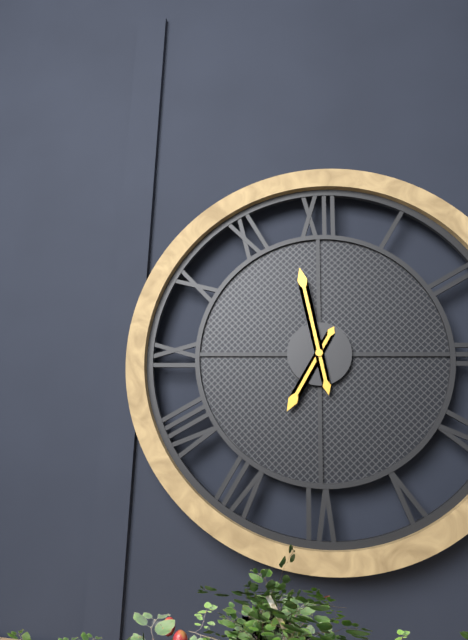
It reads 6 h 58 min
